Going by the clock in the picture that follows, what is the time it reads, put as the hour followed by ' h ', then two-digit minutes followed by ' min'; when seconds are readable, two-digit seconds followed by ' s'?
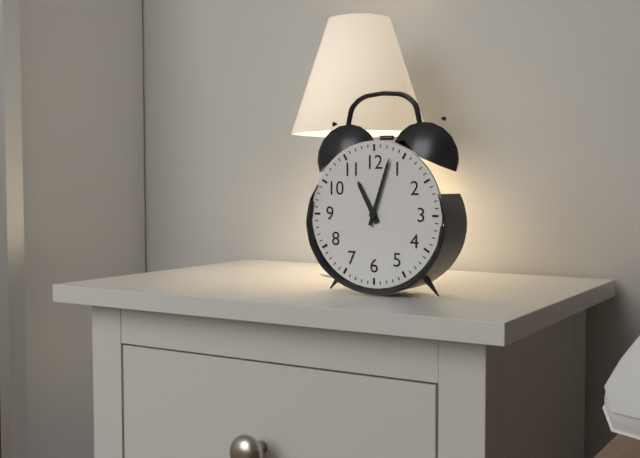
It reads 11 h 03 min
